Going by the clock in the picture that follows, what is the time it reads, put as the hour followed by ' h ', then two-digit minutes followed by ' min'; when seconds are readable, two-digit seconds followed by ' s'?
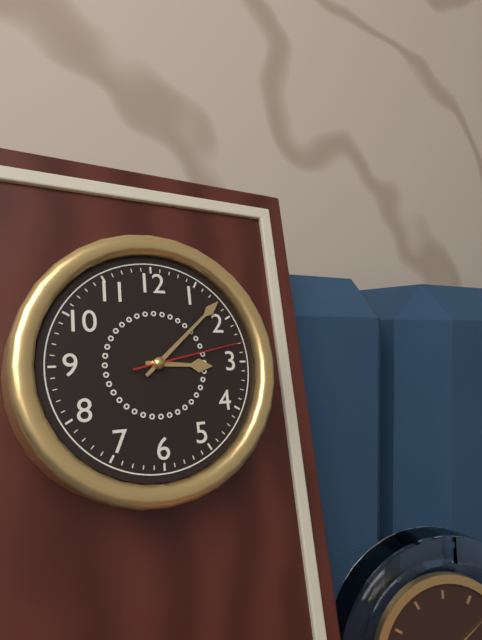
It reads 3 h 08 min 13 s
